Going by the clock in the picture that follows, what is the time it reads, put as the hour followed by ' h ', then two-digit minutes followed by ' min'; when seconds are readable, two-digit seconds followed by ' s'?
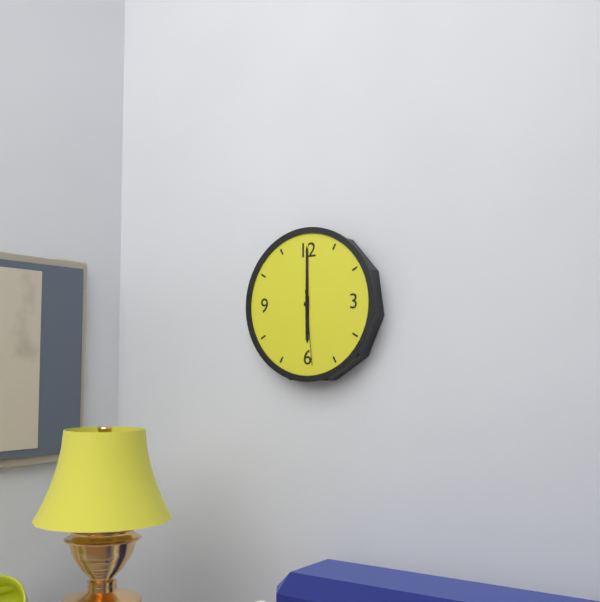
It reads 6 h 00 min 29 s
